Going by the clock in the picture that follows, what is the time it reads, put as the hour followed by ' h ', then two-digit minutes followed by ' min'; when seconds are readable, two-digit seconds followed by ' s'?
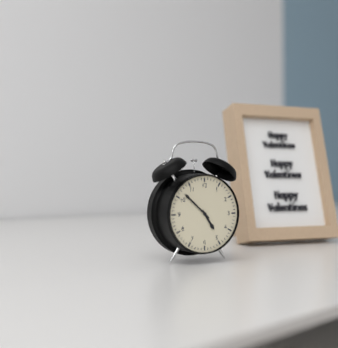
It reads 4 h 52 min
